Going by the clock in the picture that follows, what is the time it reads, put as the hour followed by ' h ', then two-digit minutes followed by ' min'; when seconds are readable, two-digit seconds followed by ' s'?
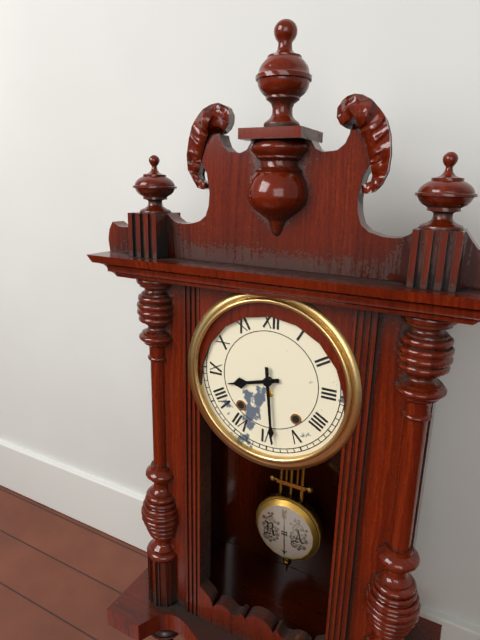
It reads 8 h 29 min
